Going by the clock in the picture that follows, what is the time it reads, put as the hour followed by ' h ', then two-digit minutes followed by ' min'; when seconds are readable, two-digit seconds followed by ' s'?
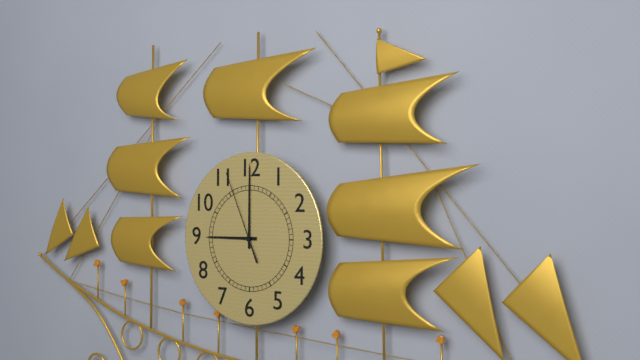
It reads 9 h 00 min 56 s
